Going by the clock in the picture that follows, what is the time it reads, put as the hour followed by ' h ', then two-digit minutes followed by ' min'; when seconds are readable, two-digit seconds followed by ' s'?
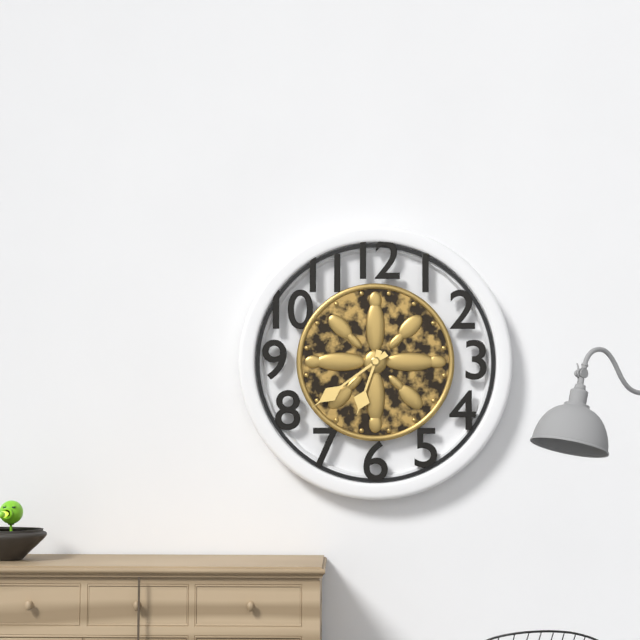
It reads 6 h 39 min
